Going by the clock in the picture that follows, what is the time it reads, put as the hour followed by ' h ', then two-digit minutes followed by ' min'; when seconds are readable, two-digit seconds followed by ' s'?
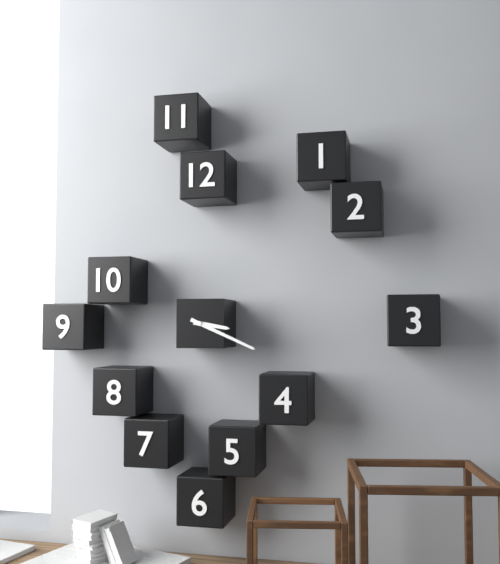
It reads 3 h 19 min
